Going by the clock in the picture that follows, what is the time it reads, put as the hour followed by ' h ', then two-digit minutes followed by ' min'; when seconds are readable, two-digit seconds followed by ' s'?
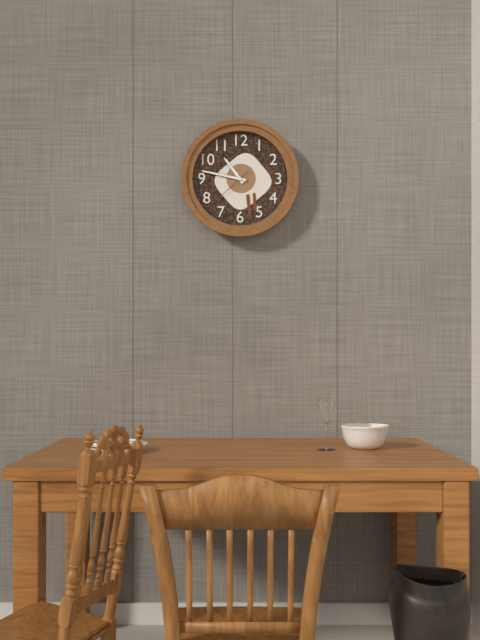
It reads 10 h 47 min 38 s
